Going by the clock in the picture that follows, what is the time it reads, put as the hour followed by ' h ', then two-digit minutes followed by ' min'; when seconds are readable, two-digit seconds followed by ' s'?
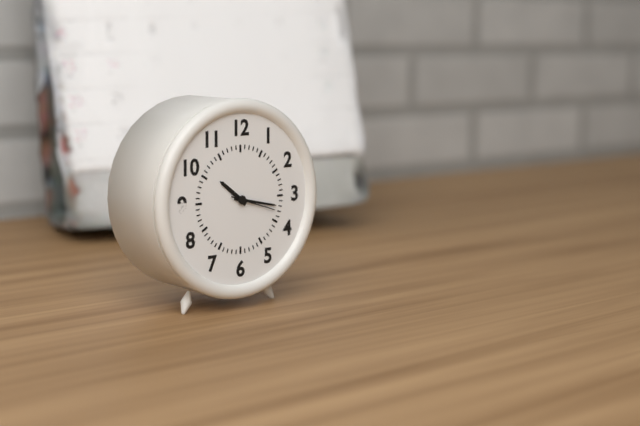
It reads 10 h 17 min
